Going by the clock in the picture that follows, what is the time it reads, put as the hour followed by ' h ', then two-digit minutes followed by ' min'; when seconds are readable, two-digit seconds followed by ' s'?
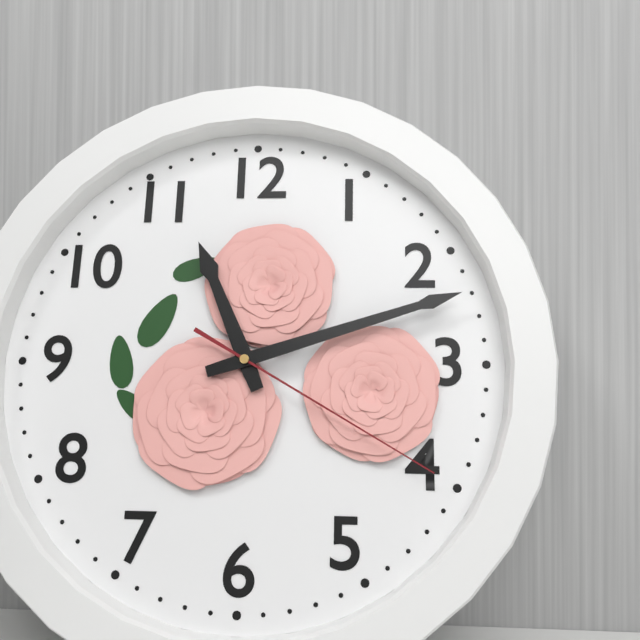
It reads 11 h 12 min 20 s
